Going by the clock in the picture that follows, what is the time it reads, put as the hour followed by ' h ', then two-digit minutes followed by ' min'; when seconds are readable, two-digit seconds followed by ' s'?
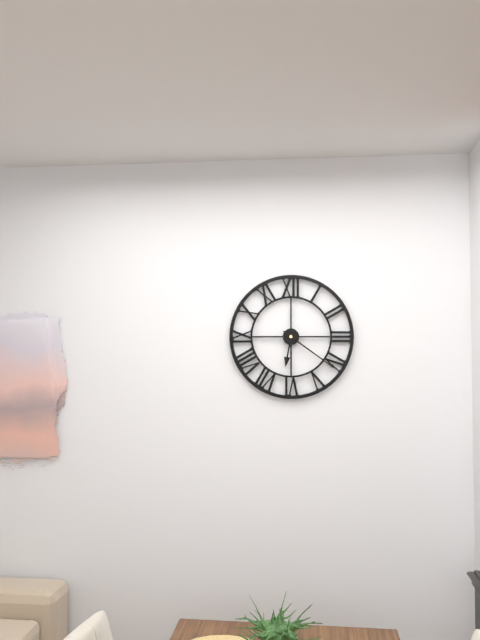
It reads 6 h 21 min
